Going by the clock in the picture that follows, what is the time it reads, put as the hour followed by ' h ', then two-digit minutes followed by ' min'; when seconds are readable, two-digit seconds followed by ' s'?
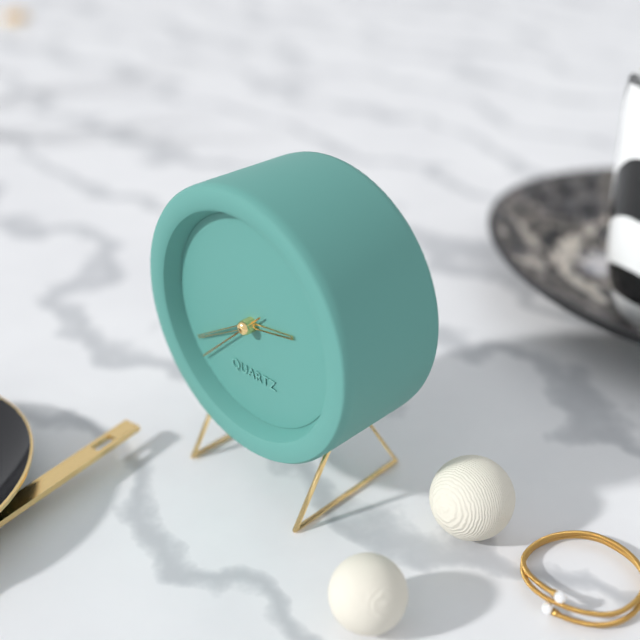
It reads 2 h 40 min 38 s
